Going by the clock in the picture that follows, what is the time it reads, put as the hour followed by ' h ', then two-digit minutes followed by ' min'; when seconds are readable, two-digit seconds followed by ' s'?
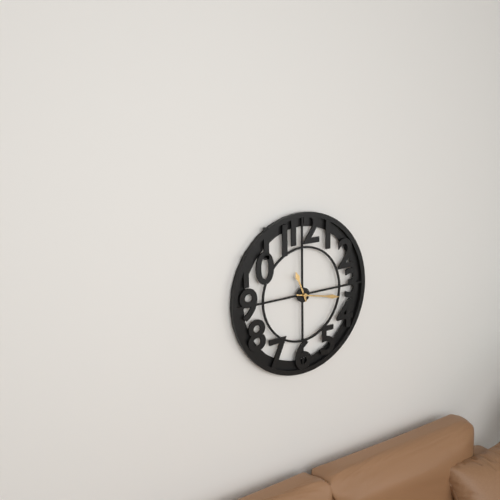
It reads 11 h 17 min
